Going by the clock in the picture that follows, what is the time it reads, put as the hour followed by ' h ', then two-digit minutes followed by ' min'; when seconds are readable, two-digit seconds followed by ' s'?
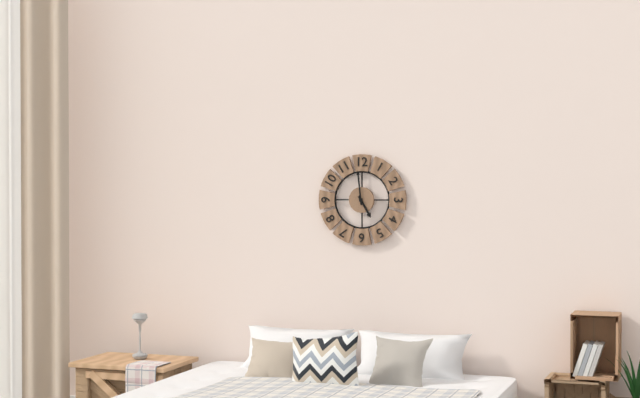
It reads 4 h 59 min
